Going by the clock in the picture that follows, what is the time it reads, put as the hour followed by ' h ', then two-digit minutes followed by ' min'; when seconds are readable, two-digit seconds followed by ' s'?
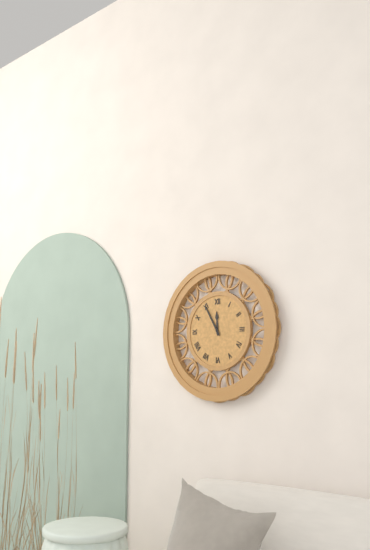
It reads 11 h 55 min
